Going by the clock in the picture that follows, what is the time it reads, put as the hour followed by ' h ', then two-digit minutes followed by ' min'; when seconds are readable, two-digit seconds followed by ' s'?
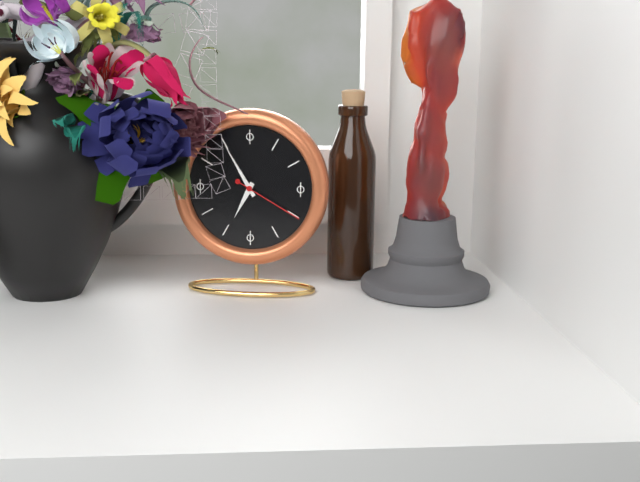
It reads 6 h 55 min 20 s
